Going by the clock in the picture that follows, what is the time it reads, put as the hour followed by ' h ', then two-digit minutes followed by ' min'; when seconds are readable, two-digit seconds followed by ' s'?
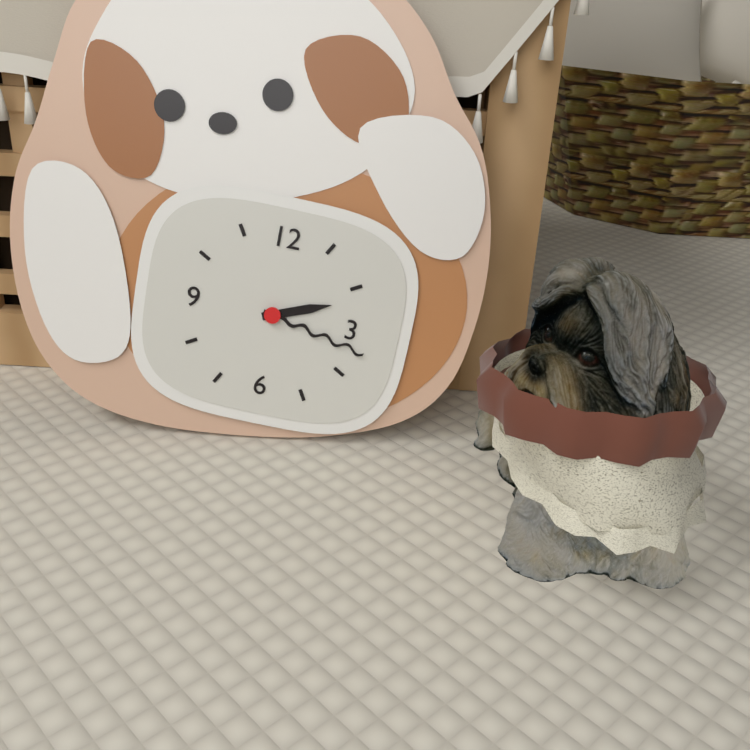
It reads 2 h 17 min
